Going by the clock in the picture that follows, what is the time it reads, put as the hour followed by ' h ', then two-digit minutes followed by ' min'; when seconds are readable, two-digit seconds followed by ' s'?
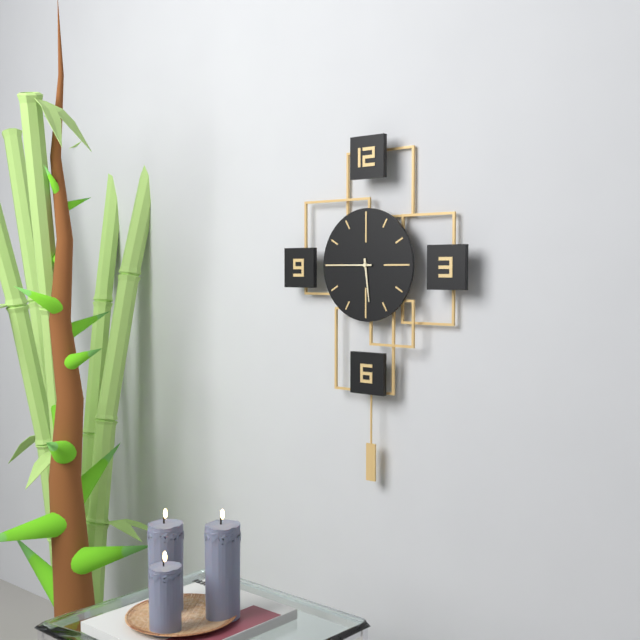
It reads 5 h 45 min
